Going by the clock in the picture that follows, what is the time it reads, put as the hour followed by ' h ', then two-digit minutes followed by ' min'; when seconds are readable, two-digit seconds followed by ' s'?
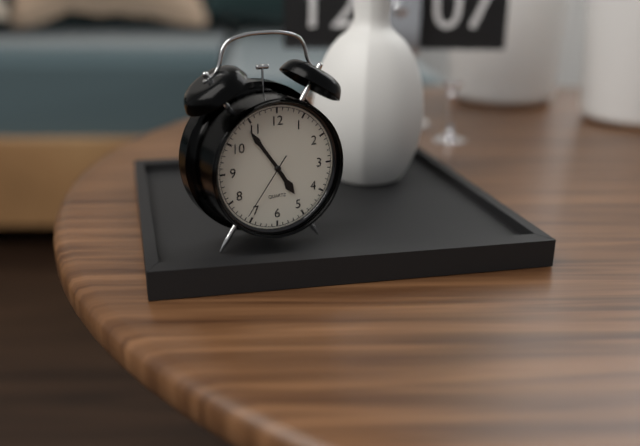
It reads 4 h 54 min 36 s
